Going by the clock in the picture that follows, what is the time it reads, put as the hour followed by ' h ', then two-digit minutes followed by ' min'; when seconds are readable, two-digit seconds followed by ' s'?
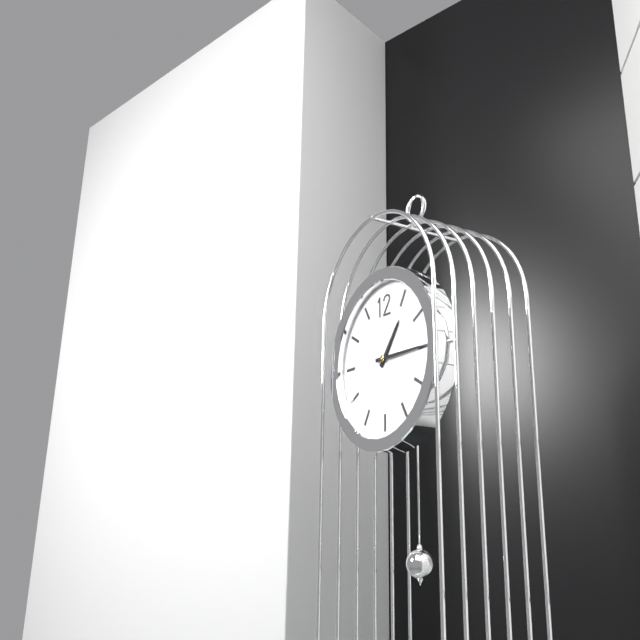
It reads 1 h 15 min
